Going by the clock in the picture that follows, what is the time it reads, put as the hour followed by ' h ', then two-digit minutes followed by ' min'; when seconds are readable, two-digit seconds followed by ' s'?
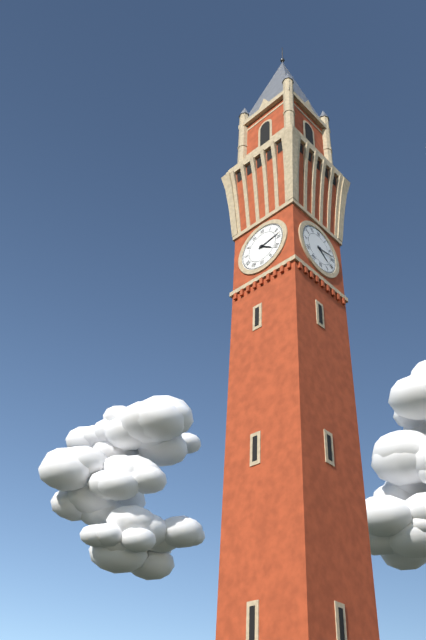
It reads 4 h 13 min
